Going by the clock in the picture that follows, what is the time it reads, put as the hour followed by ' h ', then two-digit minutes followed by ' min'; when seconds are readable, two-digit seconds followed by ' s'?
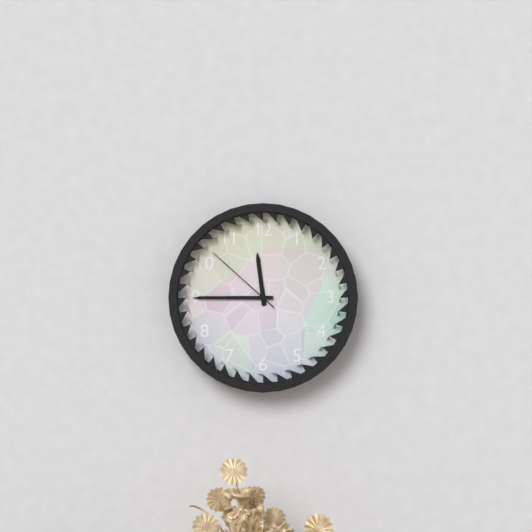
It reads 11 h 45 min 52 s
